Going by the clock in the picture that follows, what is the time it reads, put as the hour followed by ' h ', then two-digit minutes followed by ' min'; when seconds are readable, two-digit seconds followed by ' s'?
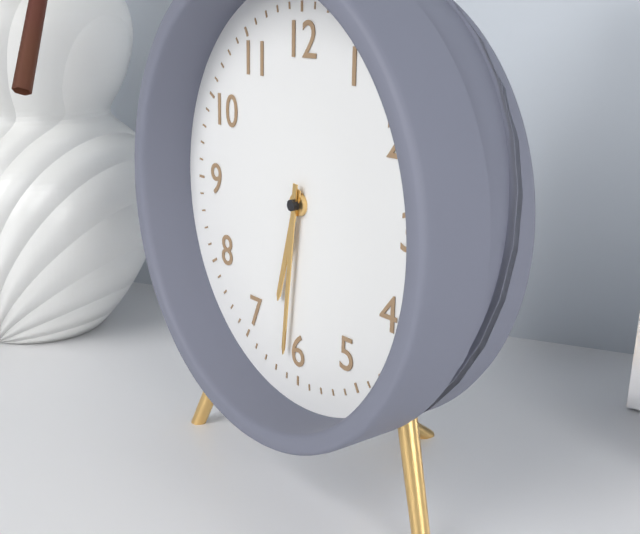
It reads 6 h 31 min
